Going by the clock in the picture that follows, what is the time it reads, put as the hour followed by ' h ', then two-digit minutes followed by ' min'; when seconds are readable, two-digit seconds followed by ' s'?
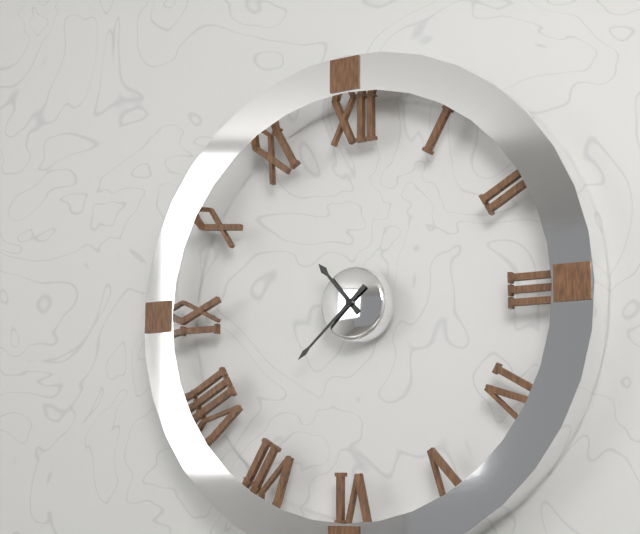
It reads 10 h 38 min
